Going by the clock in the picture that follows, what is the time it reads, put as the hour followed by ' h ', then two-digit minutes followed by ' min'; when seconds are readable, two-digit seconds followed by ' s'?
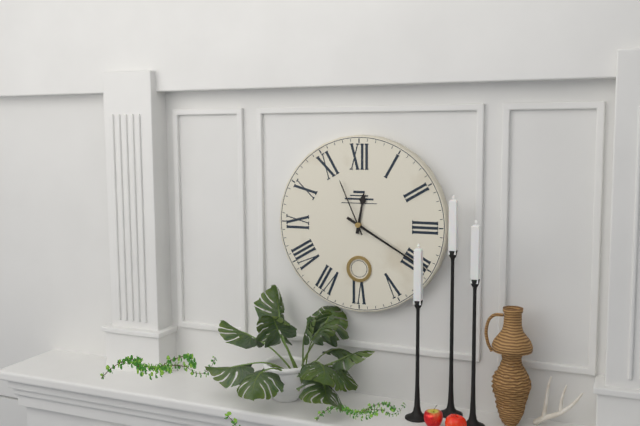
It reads 12 h 20 min 56 s
